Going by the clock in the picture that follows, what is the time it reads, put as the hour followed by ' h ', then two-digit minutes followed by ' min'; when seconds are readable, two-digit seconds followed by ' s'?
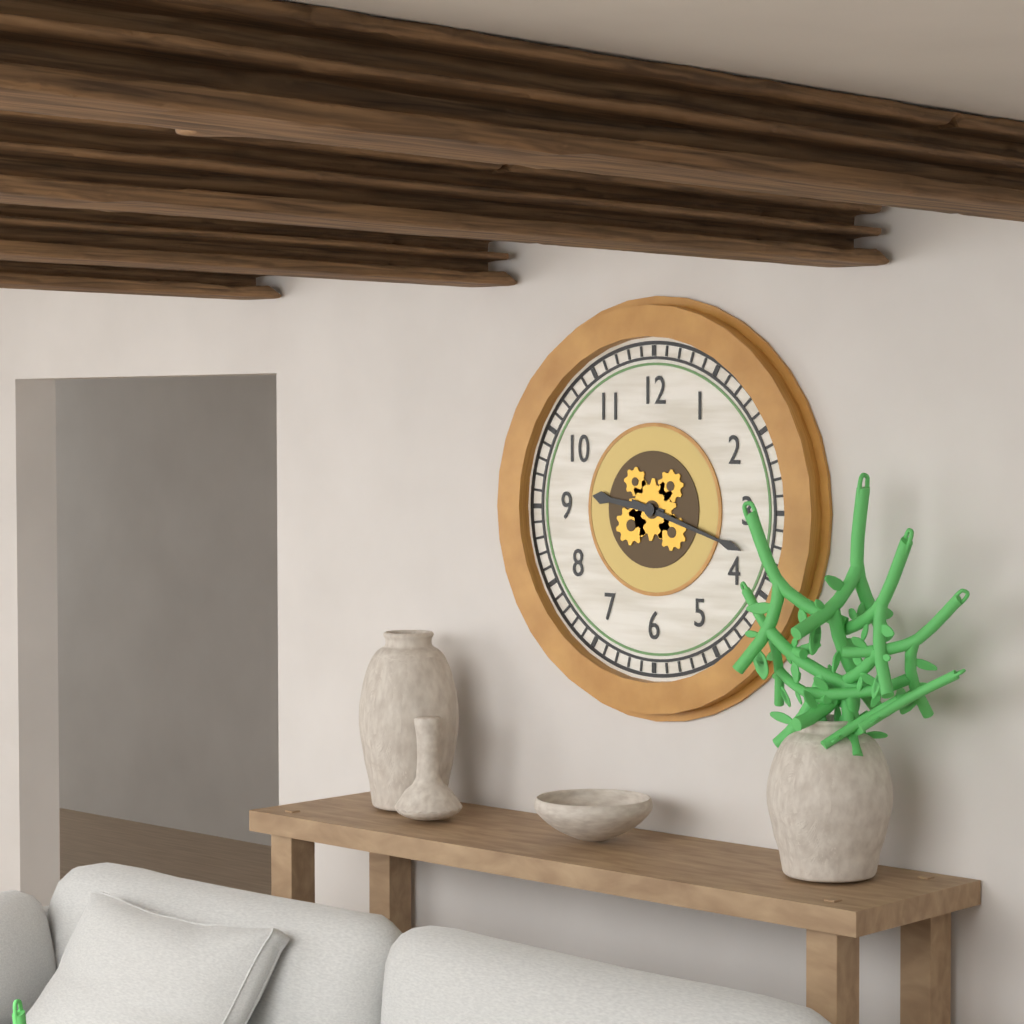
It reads 9 h 18 min
